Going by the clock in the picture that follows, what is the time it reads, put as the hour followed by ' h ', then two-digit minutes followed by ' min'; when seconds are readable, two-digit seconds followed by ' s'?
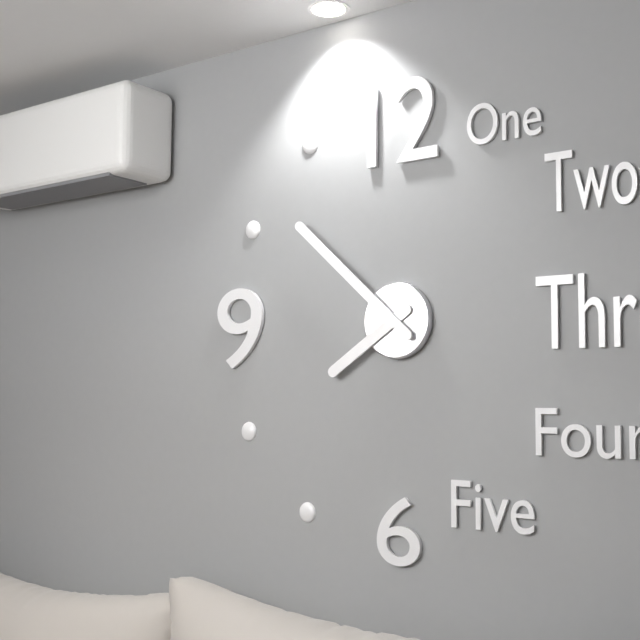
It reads 7 h 52 min
